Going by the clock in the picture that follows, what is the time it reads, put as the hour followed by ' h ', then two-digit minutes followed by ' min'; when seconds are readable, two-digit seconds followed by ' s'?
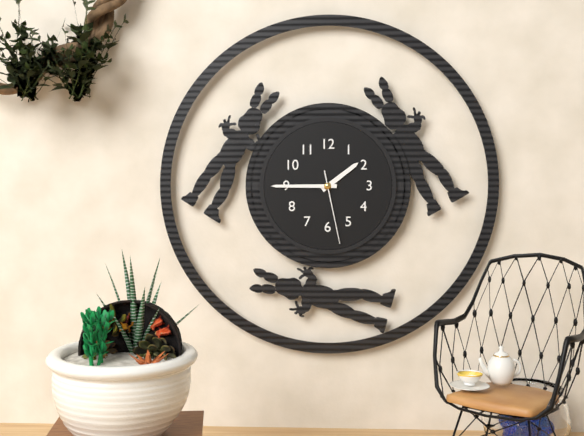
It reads 1 h 45 min 28 s
